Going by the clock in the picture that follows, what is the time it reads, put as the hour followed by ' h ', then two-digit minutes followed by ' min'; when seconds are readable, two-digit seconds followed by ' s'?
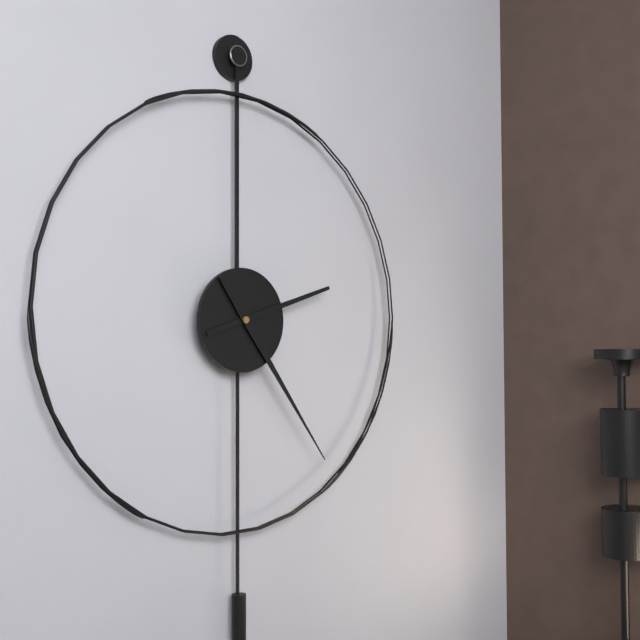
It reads 2 h 24 min
